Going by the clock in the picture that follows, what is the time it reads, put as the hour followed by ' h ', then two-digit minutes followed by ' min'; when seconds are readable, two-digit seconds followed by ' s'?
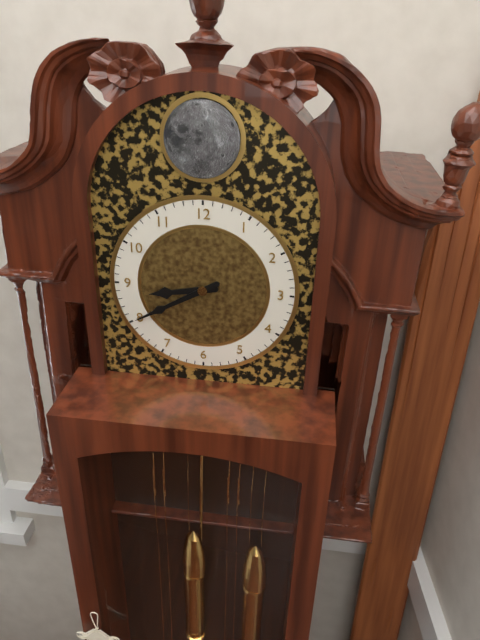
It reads 8 h 40 min
